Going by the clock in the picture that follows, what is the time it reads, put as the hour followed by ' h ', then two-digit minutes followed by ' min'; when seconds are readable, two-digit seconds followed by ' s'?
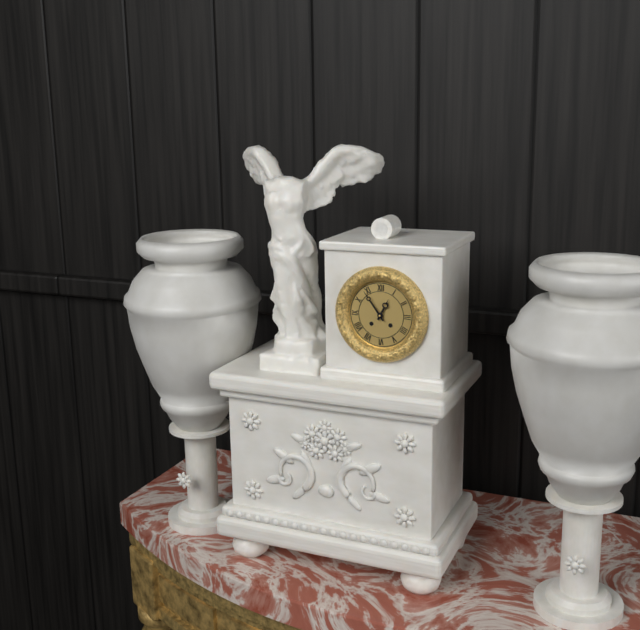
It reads 12 h 54 min
